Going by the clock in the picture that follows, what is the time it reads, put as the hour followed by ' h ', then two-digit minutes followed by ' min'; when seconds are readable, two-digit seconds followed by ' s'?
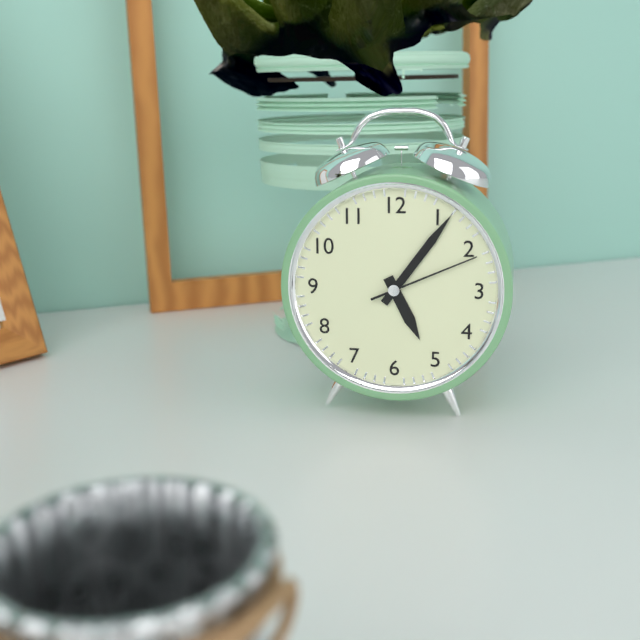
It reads 5 h 06 min 11 s
